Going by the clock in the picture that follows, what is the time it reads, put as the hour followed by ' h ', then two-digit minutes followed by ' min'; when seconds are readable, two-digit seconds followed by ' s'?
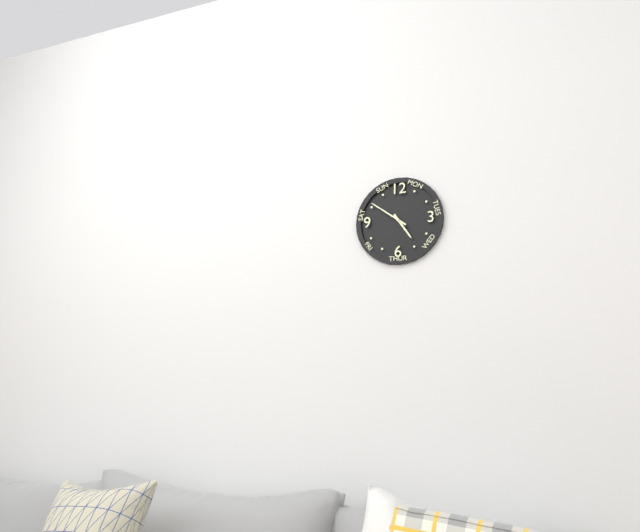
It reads 4 h 51 min
